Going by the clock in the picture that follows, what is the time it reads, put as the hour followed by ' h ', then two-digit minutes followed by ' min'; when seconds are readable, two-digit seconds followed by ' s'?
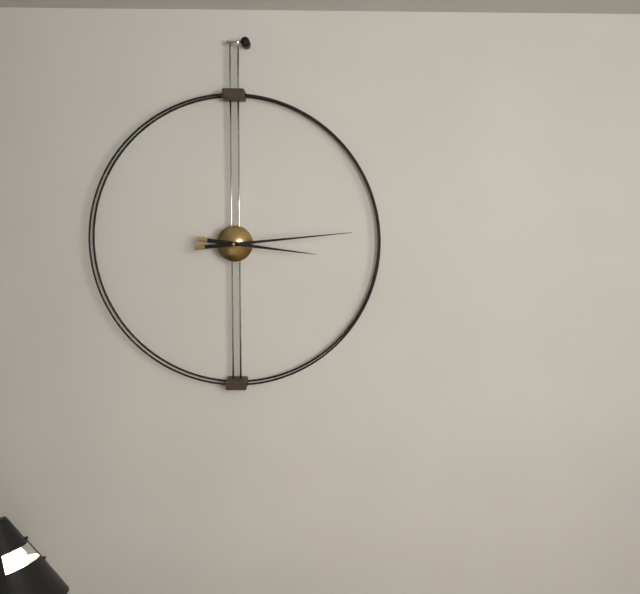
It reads 3 h 14 min
